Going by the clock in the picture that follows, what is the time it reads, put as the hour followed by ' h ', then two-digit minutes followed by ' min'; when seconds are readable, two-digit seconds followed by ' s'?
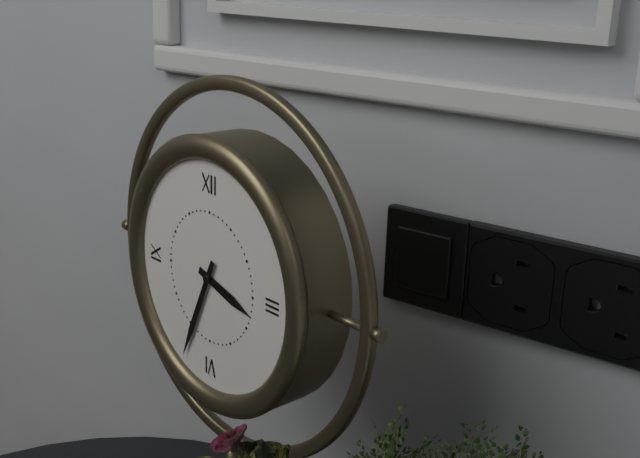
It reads 3 h 34 min
